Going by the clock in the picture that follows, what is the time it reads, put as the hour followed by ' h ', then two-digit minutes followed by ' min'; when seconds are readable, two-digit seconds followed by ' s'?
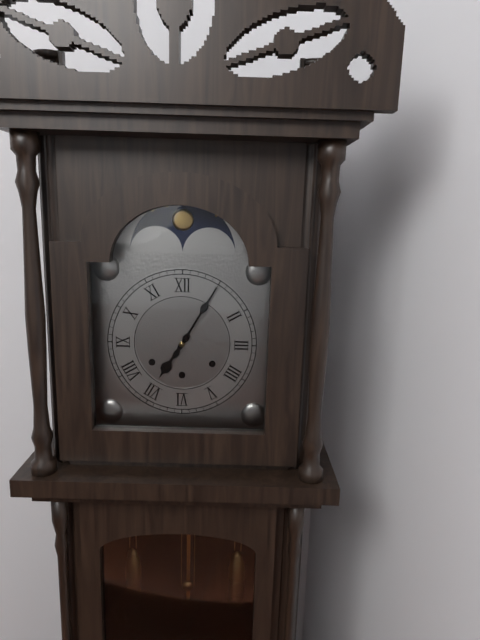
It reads 7 h 05 min
